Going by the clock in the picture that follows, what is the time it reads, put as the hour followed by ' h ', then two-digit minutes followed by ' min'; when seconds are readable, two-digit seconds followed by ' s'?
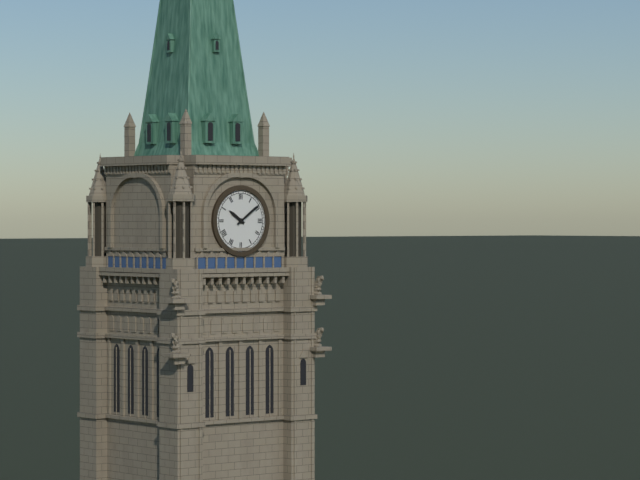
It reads 10 h 09 min
